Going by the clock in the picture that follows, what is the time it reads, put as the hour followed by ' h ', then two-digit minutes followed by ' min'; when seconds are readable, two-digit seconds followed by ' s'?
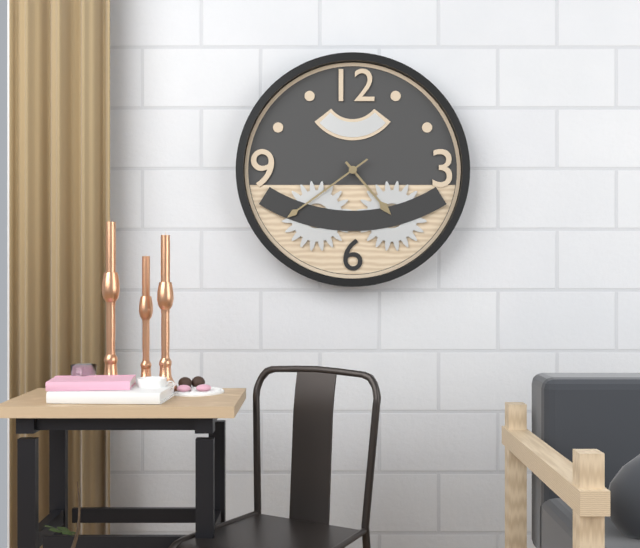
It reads 4 h 39 min
